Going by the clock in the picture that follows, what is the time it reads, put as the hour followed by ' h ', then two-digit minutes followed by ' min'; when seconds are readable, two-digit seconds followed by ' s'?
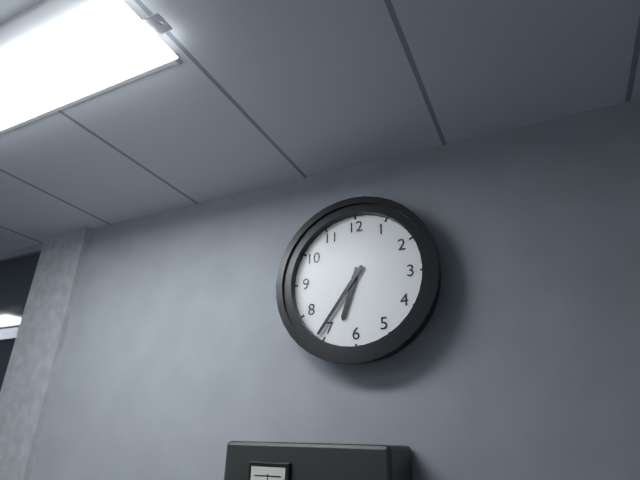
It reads 6 h 36 min
